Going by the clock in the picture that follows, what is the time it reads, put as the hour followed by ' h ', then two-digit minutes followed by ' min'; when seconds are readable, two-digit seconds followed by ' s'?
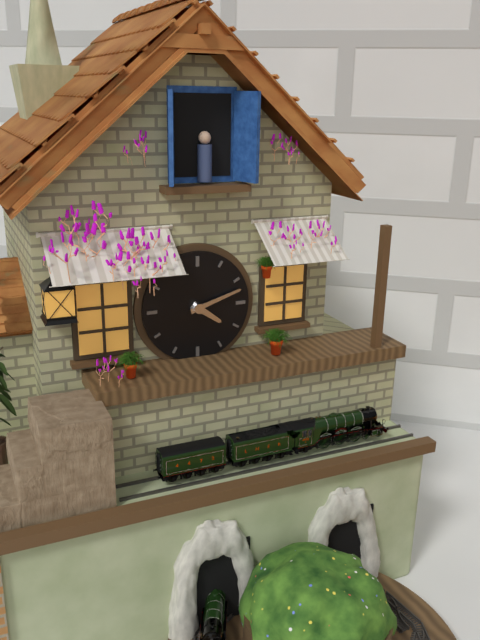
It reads 4 h 12 min
